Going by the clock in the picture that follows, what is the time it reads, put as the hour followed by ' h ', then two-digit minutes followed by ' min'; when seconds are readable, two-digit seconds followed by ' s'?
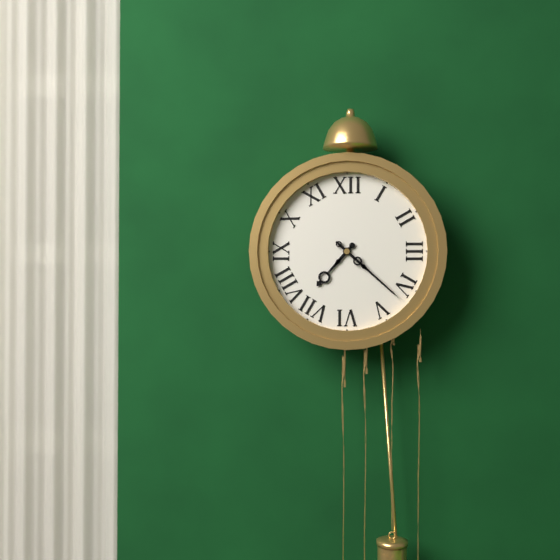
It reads 7 h 22 min
